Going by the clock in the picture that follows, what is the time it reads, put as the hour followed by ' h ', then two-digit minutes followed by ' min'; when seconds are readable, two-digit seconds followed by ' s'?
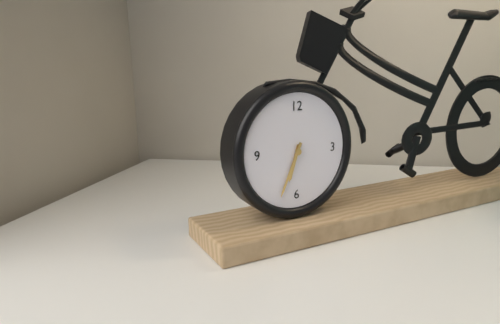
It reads 6 h 34 min
